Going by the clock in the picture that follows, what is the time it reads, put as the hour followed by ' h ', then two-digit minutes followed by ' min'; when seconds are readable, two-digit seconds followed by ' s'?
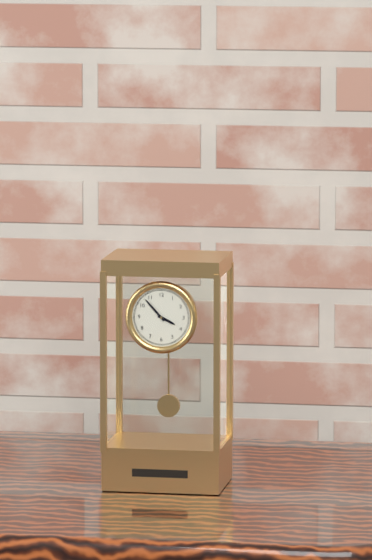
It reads 3 h 53 min
